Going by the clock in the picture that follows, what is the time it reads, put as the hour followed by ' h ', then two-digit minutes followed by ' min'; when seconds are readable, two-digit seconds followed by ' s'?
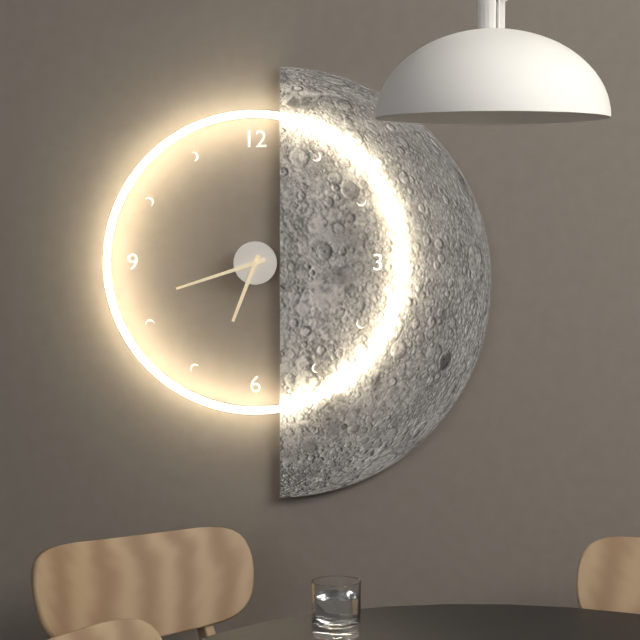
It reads 6 h 42 min
